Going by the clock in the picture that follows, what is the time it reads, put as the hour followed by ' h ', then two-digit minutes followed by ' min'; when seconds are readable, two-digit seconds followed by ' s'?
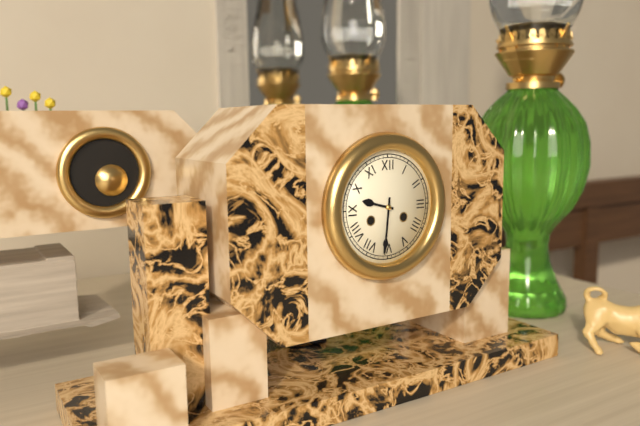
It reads 9 h 31 min
